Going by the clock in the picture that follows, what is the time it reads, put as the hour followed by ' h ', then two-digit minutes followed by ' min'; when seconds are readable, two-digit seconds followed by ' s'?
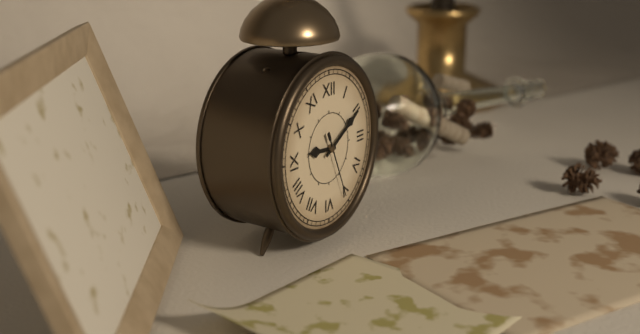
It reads 9 h 10 min 26 s
